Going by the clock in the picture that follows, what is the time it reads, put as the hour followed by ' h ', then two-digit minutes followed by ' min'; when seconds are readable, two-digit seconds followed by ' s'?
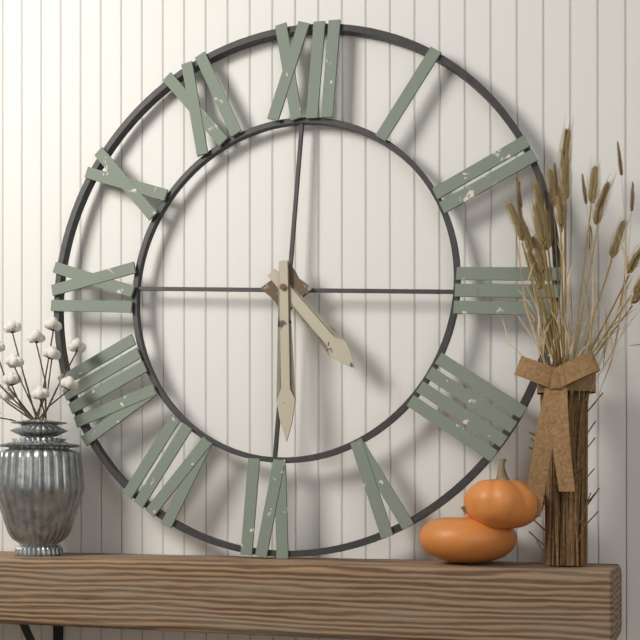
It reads 4 h 29 min
